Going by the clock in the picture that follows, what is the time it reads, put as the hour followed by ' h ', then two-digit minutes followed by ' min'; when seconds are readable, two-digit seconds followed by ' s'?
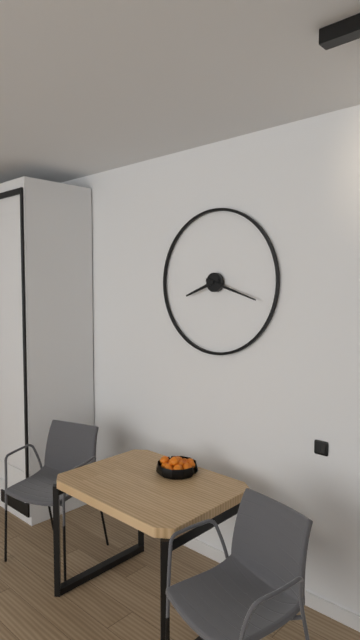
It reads 8 h 18 min
